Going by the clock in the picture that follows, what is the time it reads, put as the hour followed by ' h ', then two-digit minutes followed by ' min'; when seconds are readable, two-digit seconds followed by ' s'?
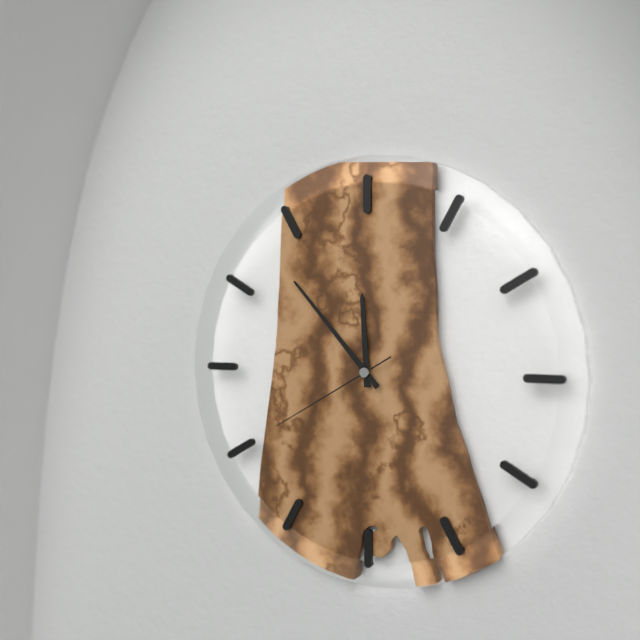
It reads 11 h 53 min 40 s
